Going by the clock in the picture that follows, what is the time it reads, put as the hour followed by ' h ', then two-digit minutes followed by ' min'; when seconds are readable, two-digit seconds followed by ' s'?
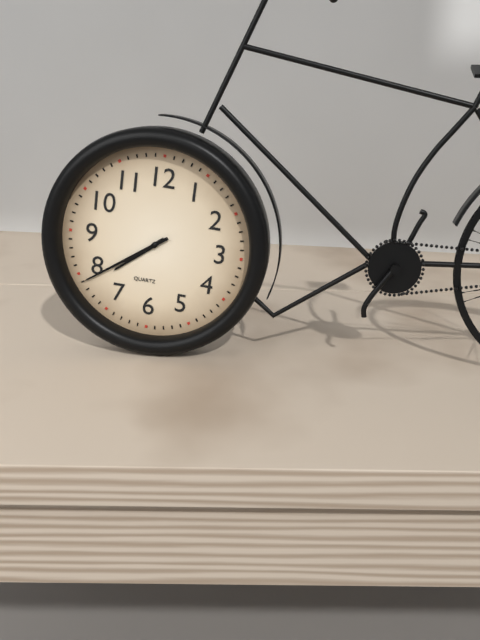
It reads 7 h 39 min
